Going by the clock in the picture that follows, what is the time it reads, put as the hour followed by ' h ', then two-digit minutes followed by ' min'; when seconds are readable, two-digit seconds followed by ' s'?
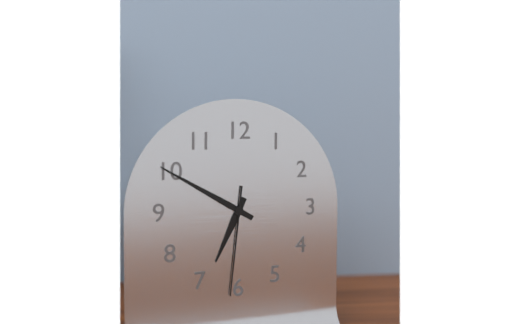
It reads 6 h 50 min 31 s
